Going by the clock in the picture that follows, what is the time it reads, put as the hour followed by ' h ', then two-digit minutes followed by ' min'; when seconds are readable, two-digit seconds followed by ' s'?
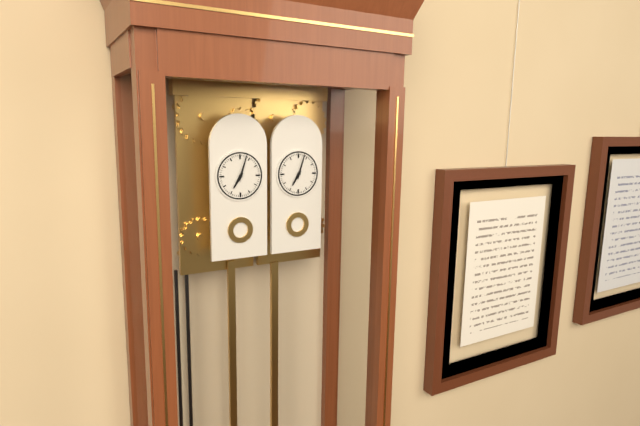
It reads 7 h 03 min
